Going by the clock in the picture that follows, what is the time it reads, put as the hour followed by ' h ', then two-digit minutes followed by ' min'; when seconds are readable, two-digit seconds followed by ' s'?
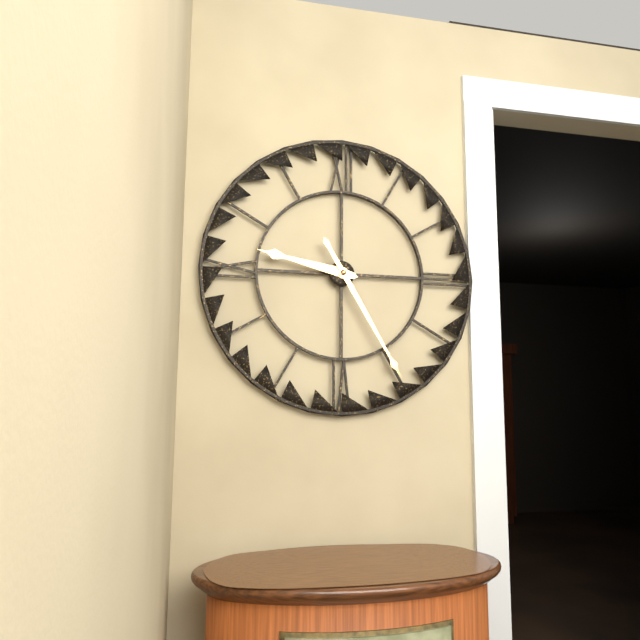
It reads 9 h 25 min
